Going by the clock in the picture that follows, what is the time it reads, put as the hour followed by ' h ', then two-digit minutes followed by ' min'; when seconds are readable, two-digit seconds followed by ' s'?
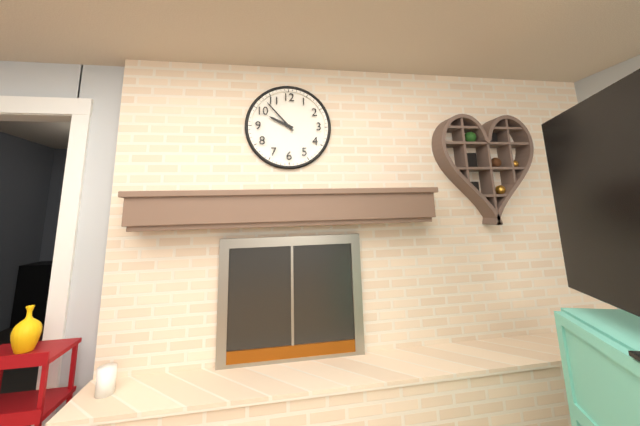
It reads 9 h 53 min
